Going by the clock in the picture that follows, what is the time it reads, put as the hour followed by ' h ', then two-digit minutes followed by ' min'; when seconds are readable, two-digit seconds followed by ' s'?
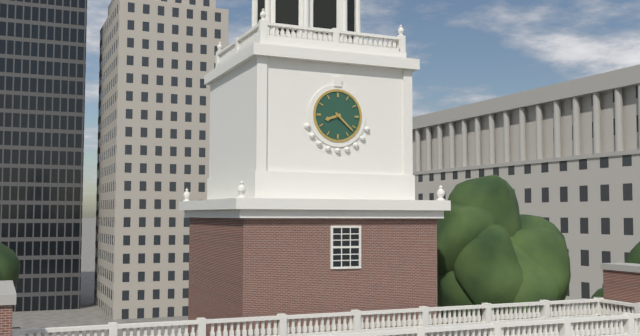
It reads 8 h 22 min
